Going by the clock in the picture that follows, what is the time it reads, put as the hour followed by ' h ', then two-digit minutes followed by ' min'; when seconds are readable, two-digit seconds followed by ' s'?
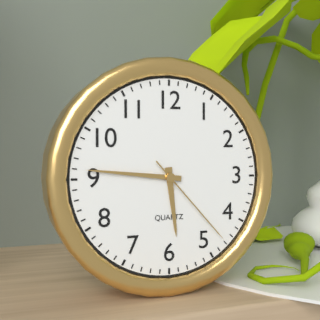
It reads 5 h 46 min 23 s
